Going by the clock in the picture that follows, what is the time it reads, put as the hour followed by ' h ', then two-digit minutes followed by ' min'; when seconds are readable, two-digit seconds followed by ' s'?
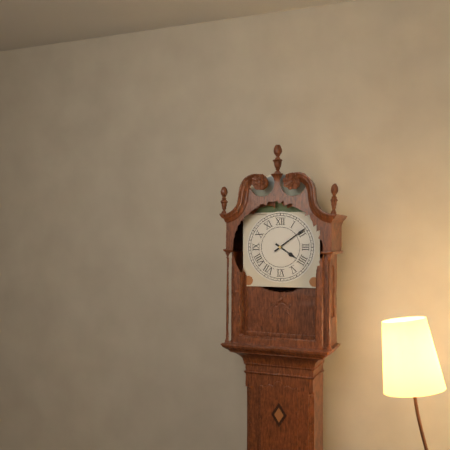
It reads 4 h 09 min
